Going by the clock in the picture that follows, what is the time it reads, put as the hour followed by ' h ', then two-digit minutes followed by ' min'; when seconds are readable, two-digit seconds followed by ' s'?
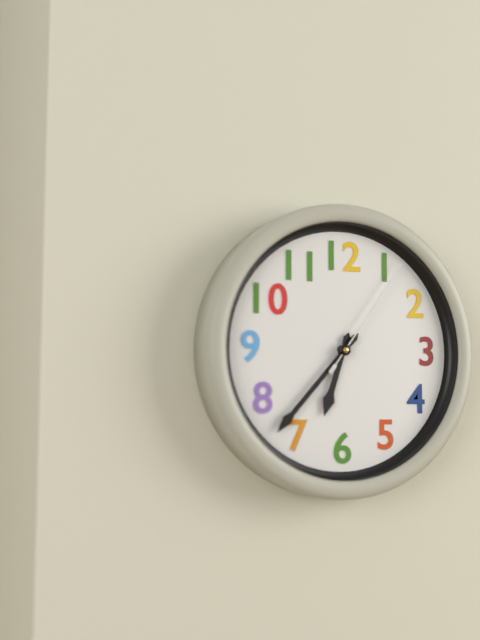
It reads 6 h 37 min 06 s
